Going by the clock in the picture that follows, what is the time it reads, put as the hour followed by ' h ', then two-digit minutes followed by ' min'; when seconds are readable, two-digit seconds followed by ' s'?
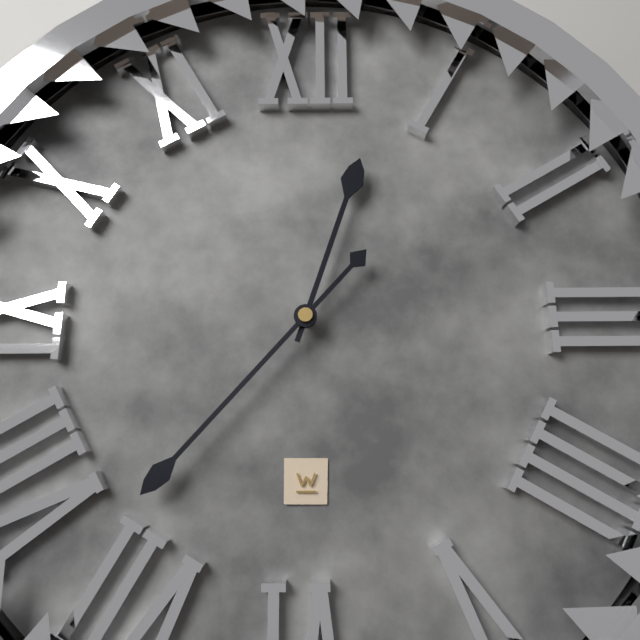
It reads 12 h 37 min
